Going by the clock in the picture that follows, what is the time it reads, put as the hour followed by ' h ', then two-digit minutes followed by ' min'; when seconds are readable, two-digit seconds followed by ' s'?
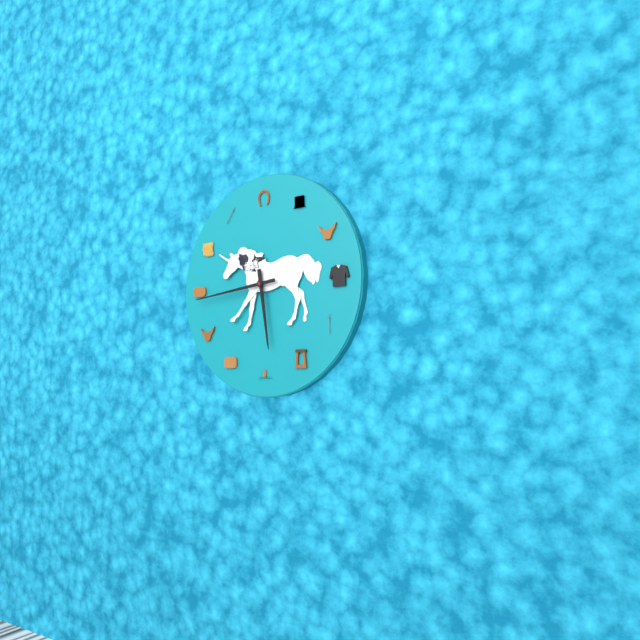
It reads 5 h 44 min
